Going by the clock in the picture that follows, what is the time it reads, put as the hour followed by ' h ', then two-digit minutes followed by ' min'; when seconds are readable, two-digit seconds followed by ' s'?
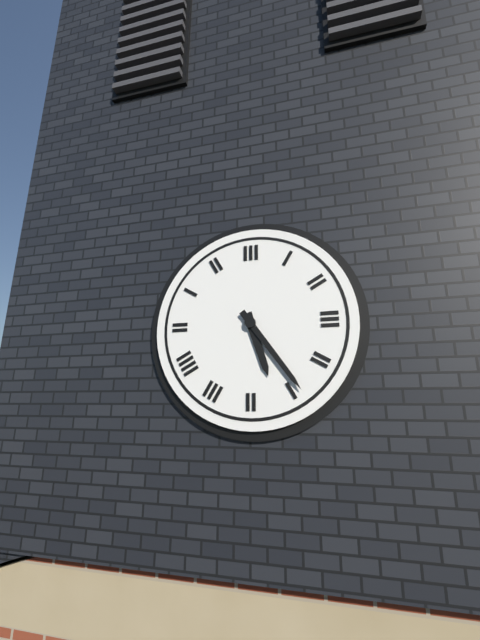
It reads 5 h 24 min
